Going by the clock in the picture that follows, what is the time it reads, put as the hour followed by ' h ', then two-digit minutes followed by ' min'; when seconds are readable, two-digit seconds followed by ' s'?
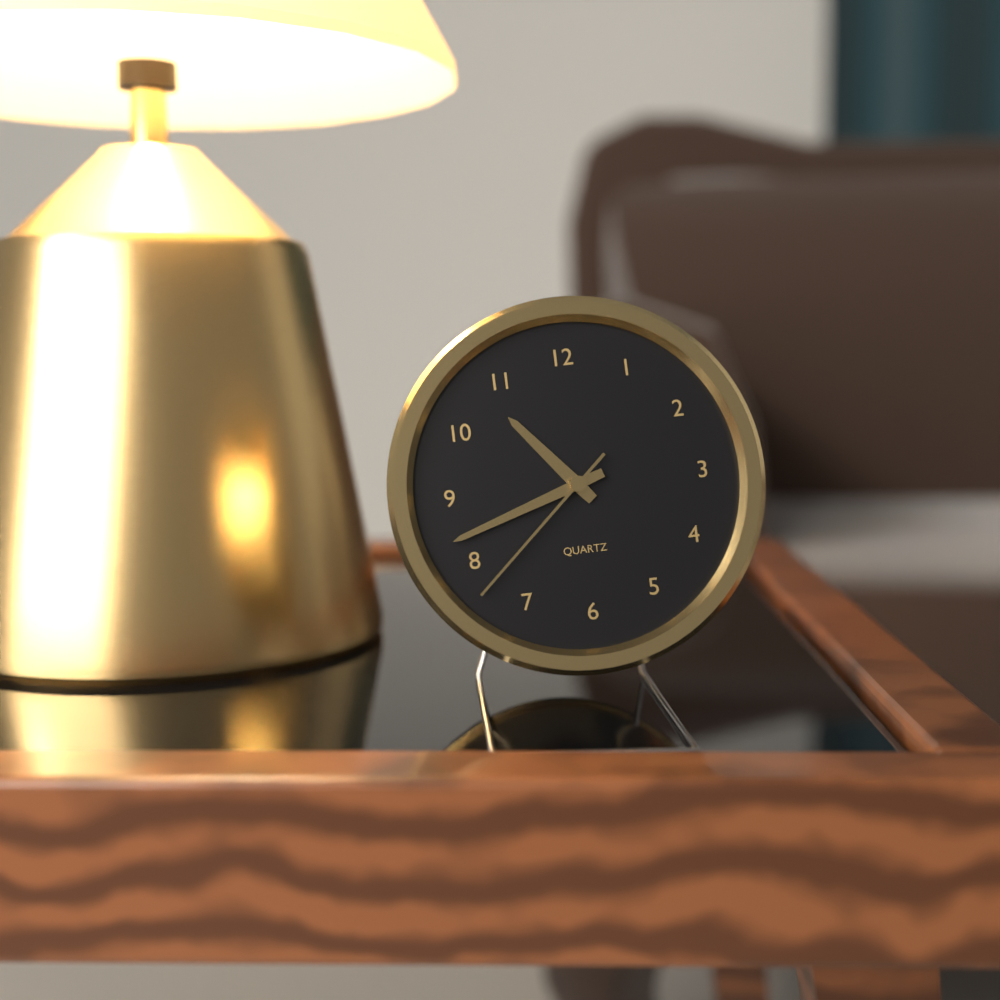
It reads 10 h 42 min 38 s
